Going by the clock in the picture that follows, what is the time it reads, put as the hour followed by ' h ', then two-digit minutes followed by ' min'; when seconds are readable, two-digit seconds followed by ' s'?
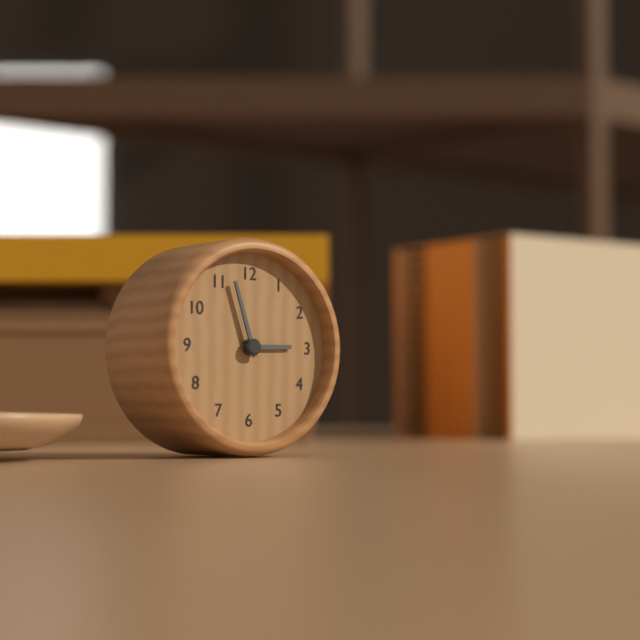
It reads 2 h 57 min
